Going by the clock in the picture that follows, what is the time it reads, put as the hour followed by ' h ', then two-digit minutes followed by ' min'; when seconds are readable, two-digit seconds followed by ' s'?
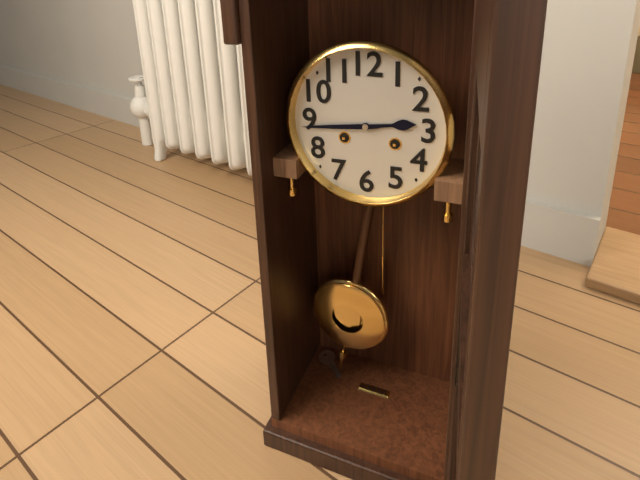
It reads 2 h 44 min
